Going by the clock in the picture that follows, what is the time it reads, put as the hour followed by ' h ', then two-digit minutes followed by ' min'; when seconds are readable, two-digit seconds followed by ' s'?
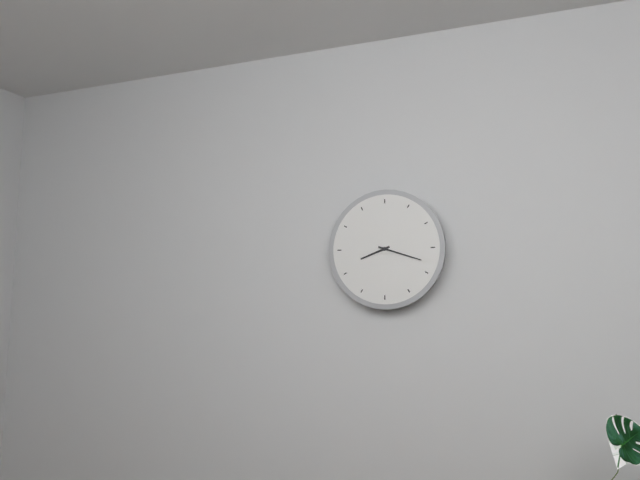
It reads 8 h 18 min
